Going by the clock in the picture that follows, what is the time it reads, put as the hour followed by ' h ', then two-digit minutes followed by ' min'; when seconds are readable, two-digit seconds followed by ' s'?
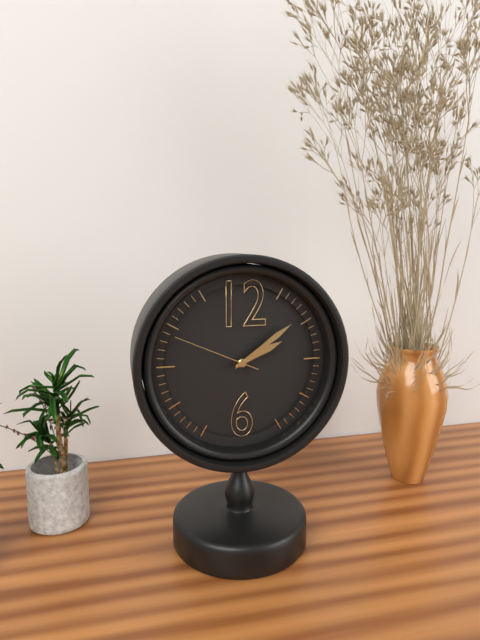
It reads 2 h 09 min 49 s
